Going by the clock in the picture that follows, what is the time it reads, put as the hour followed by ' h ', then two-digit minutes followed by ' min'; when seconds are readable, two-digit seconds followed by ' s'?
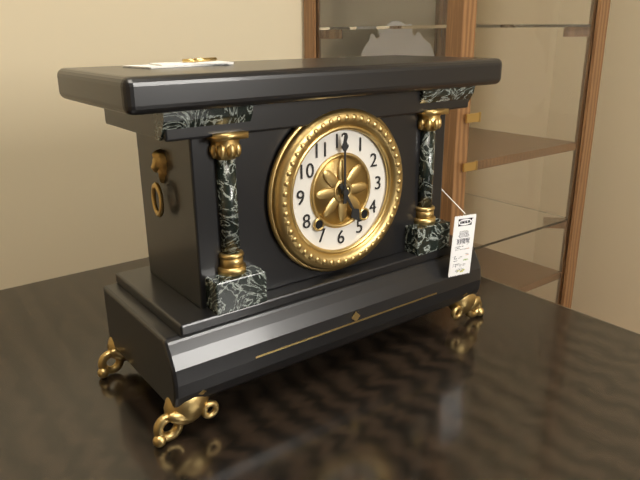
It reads 5 h 00 min
